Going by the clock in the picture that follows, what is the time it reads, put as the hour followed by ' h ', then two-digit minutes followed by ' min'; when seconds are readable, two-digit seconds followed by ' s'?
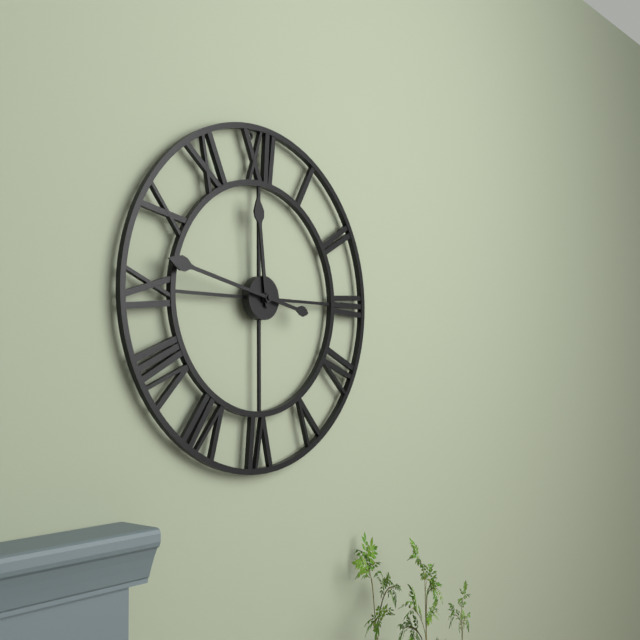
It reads 11 h 47 min
